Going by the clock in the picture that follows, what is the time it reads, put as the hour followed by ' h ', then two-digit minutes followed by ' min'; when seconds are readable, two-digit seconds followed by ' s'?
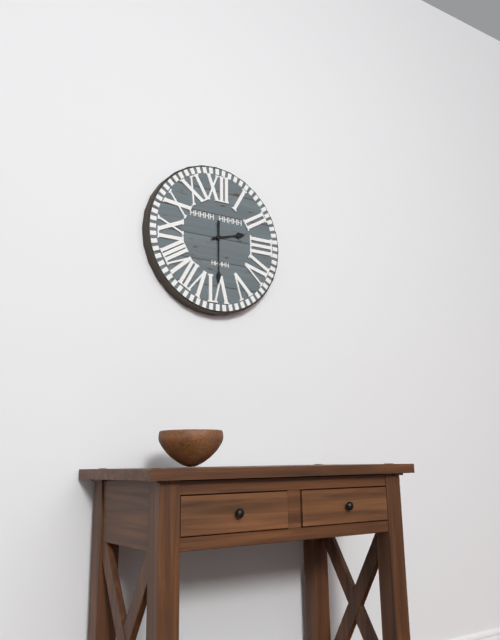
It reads 2 h 30 min
